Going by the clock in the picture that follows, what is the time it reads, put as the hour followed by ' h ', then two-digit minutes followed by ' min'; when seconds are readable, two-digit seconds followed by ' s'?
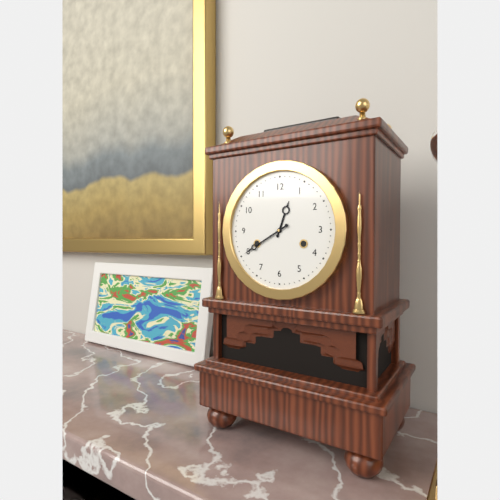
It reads 12 h 40 min
